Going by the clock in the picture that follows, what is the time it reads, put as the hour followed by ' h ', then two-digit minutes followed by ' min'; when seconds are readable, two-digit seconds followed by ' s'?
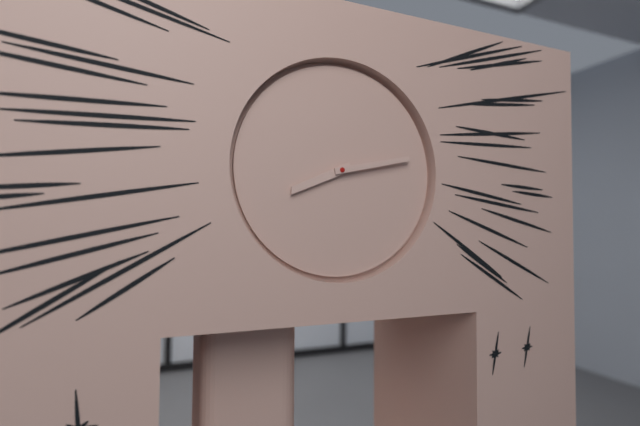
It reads 8 h 13 min
